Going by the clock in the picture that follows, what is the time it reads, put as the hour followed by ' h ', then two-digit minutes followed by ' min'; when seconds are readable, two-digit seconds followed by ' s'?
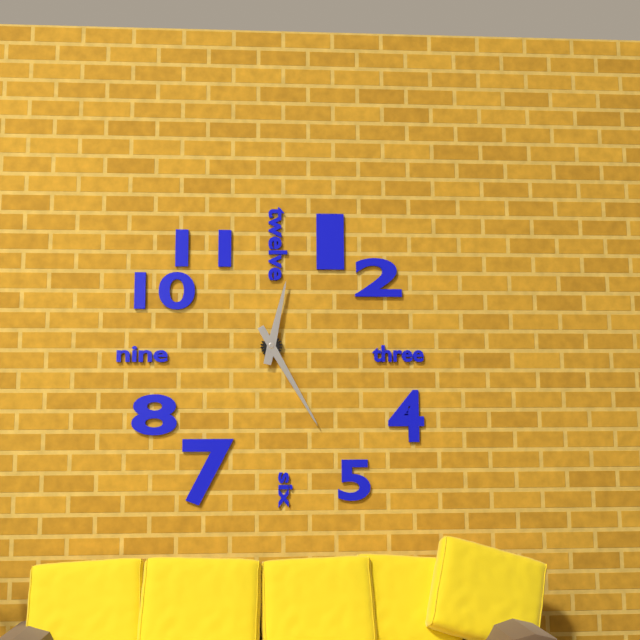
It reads 12 h 25 min
